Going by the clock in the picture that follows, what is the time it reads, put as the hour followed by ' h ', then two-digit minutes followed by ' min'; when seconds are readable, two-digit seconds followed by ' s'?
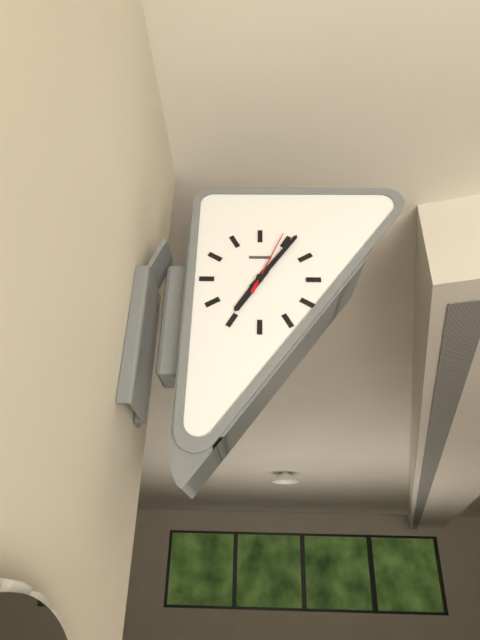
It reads 7 h 06 min 04 s
